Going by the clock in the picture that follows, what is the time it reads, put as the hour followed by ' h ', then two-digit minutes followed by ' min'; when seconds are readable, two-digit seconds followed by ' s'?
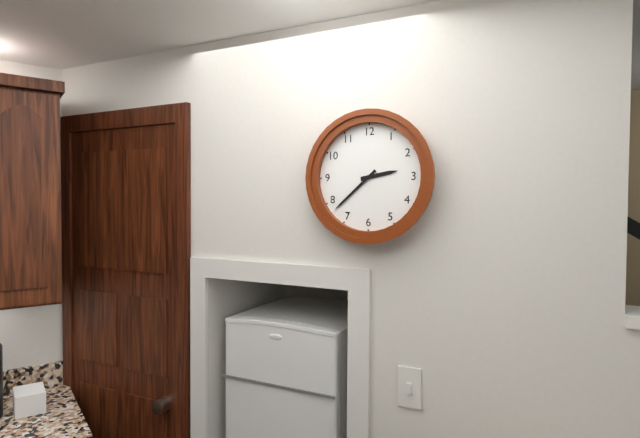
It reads 2 h 38 min
